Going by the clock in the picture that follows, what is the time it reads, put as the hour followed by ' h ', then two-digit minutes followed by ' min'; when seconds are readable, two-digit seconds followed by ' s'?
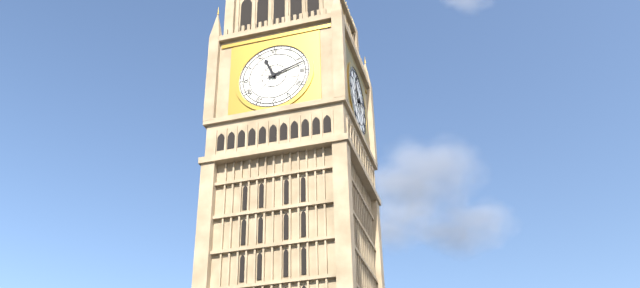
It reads 11 h 12 min
